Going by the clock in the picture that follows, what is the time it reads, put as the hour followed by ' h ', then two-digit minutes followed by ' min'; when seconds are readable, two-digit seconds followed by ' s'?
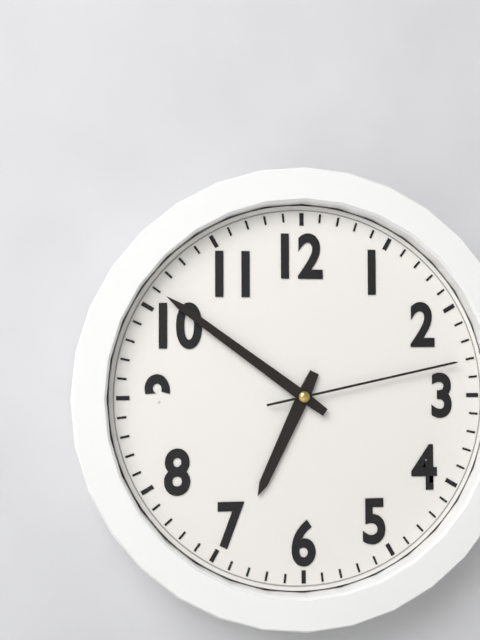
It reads 6 h 51 min 13 s
